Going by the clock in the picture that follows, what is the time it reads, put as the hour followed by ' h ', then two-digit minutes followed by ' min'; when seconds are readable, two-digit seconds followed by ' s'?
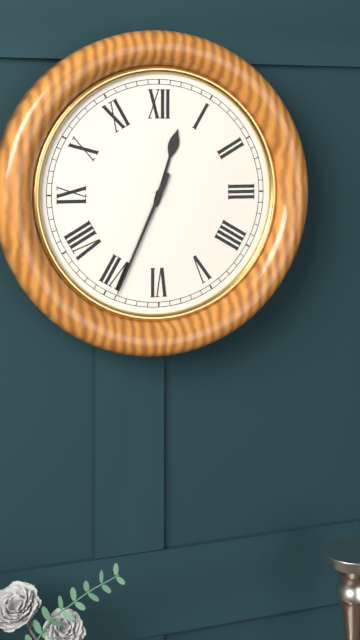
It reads 12 h 34 min
